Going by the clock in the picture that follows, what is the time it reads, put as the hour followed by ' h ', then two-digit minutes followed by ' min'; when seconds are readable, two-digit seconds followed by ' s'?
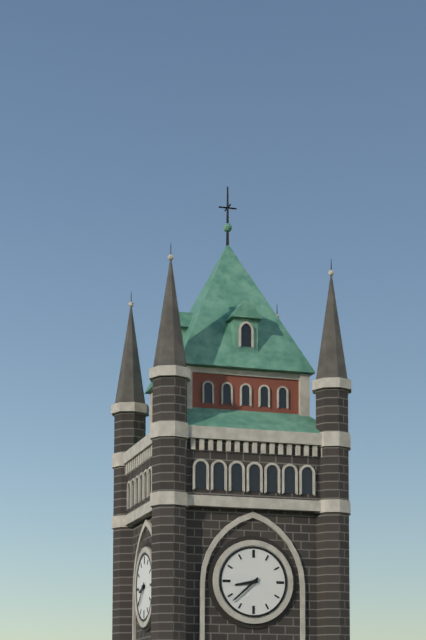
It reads 8 h 38 min
